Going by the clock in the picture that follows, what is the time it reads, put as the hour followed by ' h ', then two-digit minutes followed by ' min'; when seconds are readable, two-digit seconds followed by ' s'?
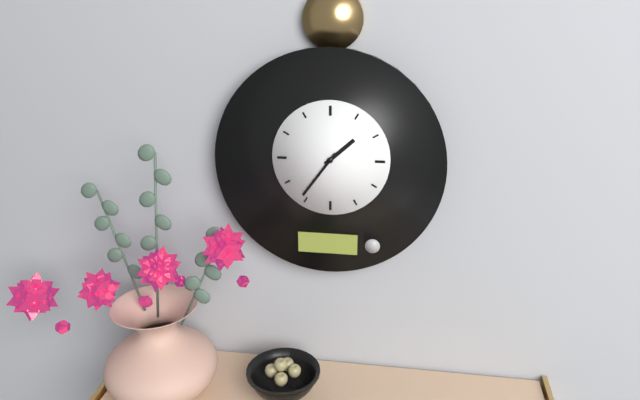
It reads 1 h 36 min
